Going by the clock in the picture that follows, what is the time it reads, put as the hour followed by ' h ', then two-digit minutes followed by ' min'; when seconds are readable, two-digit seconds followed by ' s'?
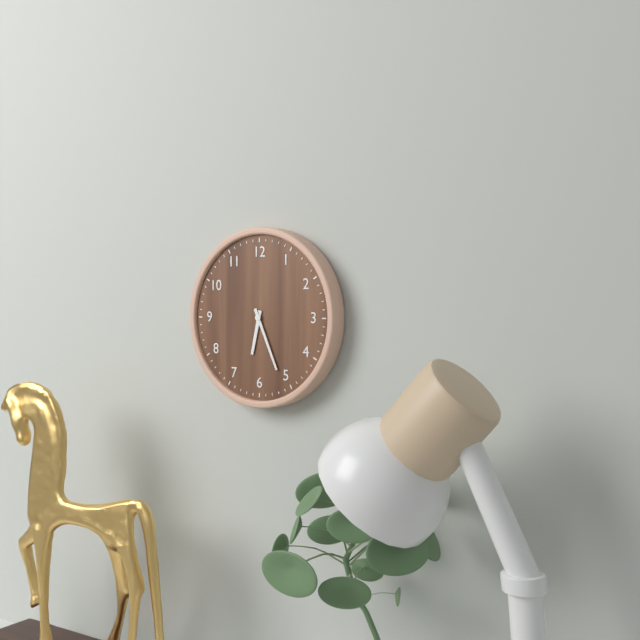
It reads 6 h 26 min
